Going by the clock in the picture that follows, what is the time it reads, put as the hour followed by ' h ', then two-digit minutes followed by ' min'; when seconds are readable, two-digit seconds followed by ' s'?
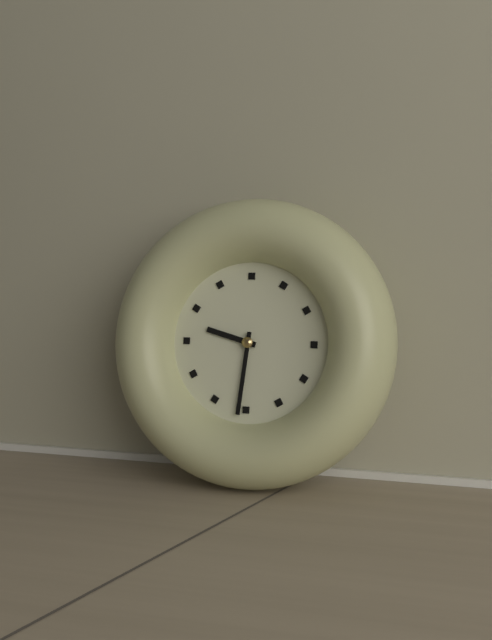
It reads 9 h 31 min
